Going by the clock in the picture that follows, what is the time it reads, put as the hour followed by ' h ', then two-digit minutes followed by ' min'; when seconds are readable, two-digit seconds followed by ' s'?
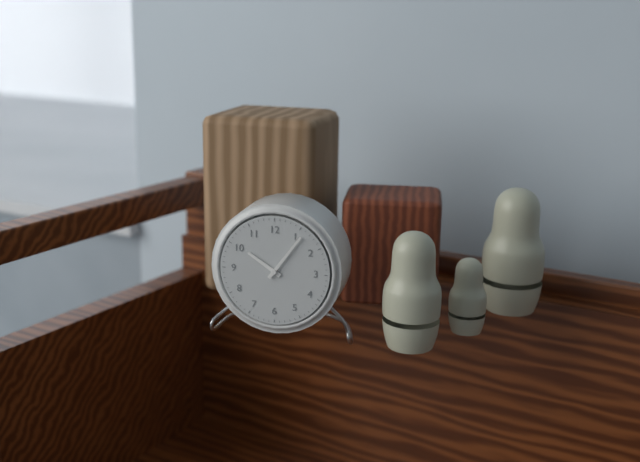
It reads 10 h 06 min
